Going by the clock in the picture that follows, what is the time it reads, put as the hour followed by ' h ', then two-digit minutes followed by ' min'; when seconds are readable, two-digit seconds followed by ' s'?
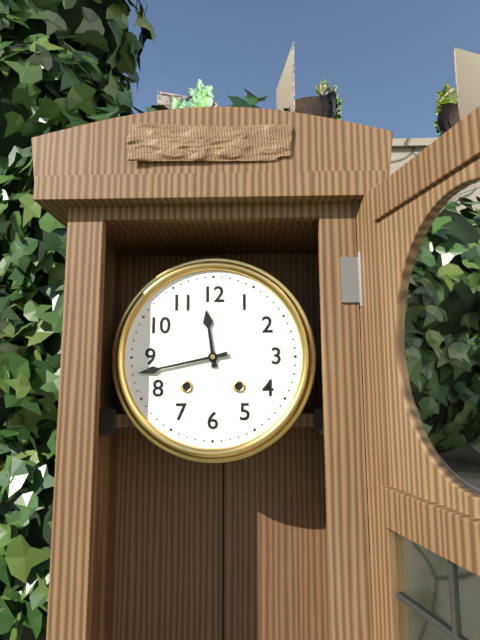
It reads 11 h 43 min
